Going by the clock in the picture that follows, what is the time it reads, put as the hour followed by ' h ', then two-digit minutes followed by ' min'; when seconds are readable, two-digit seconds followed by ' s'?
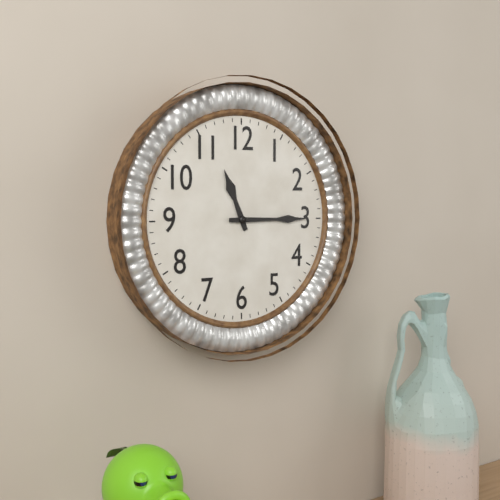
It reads 11 h 15 min
